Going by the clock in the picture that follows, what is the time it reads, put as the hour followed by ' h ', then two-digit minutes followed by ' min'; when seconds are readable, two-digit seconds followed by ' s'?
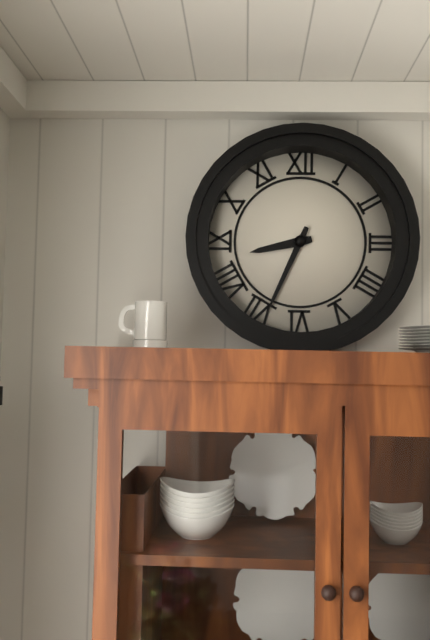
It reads 8 h 34 min
